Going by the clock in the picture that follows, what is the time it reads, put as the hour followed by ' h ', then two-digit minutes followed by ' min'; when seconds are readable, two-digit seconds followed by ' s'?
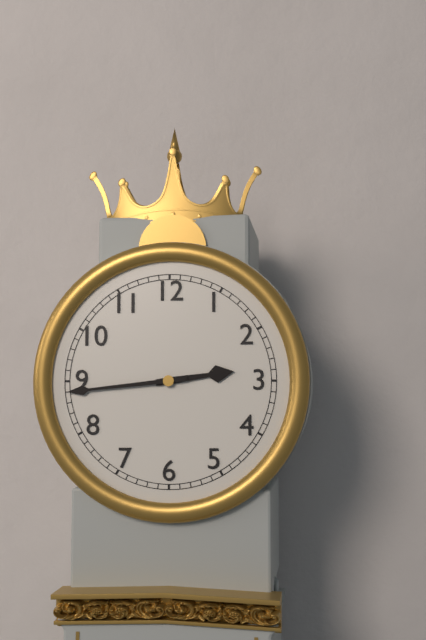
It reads 2 h 44 min
